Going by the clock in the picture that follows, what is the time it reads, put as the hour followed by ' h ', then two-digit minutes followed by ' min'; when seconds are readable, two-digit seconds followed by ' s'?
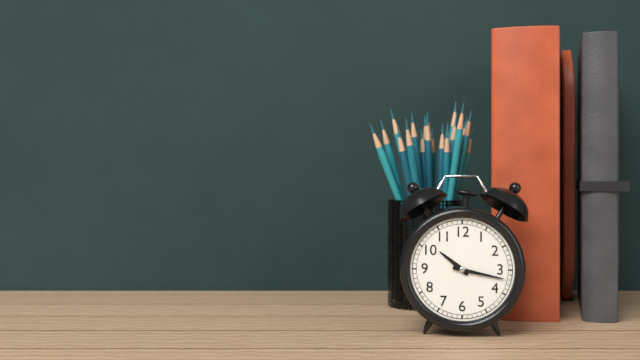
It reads 10 h 17 min
